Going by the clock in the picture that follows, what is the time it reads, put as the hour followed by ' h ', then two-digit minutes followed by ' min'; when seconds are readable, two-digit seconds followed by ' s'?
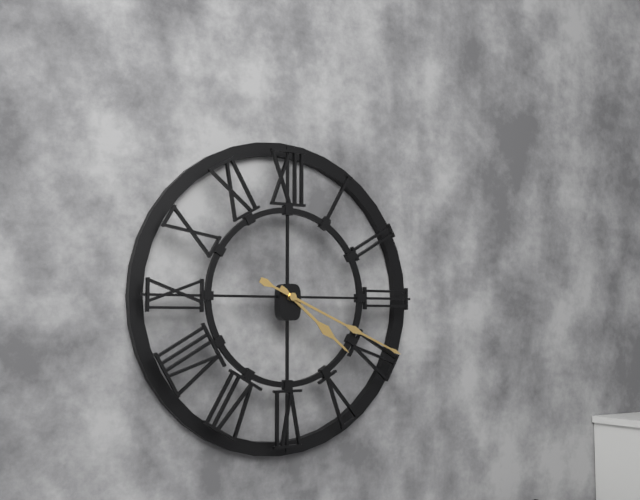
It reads 4 h 19 min
